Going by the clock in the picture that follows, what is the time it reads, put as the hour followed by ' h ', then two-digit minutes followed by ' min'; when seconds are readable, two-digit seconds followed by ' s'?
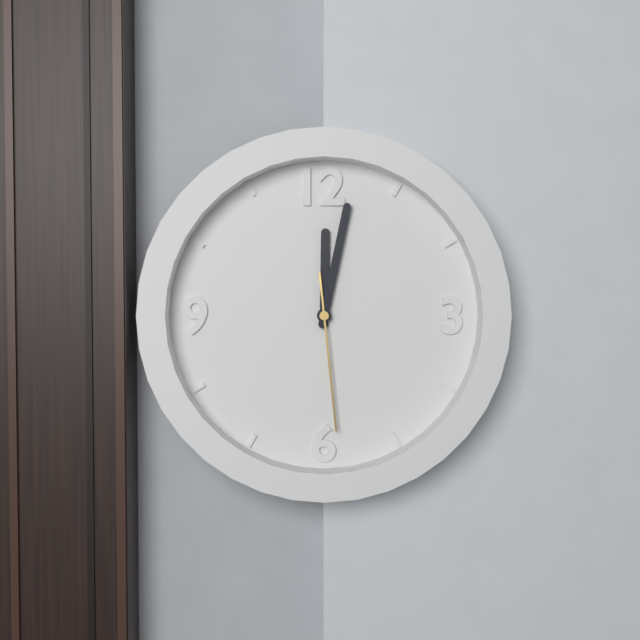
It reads 12 h 02 min 29 s
